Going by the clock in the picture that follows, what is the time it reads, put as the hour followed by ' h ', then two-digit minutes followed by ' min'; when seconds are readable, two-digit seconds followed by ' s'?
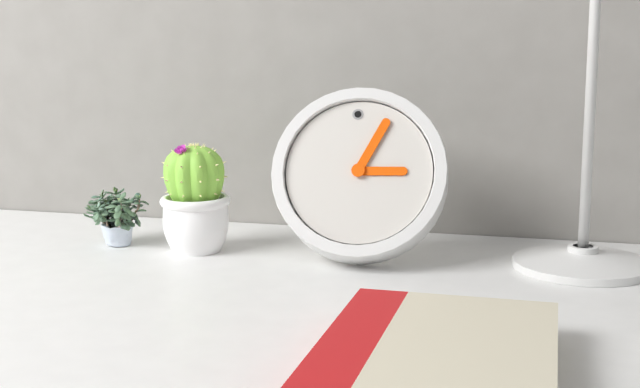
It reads 3 h 05 min
